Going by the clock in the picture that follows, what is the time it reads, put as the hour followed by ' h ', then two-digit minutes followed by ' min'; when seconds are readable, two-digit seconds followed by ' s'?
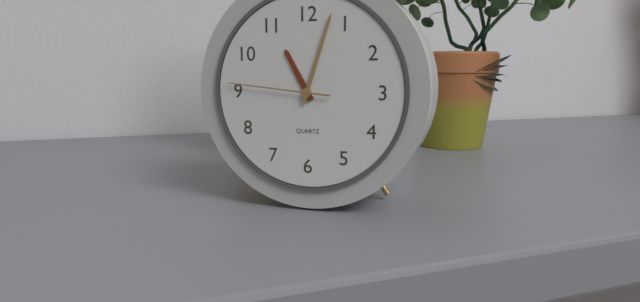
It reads 11 h 03 min 46 s
